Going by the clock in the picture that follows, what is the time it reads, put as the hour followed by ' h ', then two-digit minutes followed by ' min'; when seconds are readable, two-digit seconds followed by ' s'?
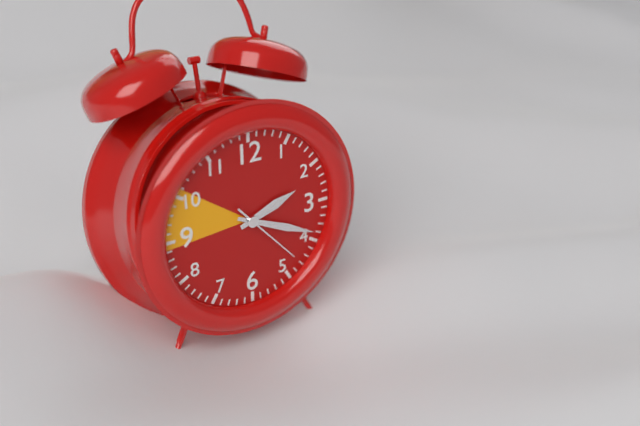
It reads 2 h 19 min 23 s
